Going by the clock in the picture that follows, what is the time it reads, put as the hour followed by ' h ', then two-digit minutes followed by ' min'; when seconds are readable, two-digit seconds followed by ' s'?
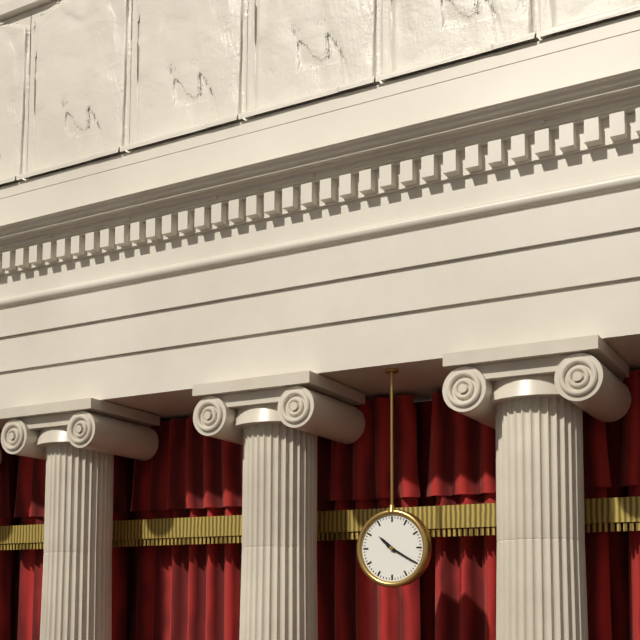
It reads 10 h 20 min
